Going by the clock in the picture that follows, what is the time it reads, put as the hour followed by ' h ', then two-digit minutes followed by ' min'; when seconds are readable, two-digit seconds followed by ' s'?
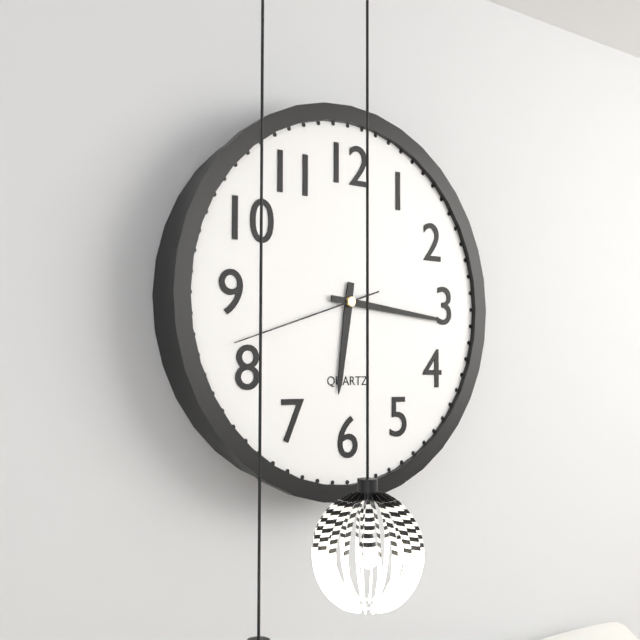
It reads 6 h 16 min 42 s
